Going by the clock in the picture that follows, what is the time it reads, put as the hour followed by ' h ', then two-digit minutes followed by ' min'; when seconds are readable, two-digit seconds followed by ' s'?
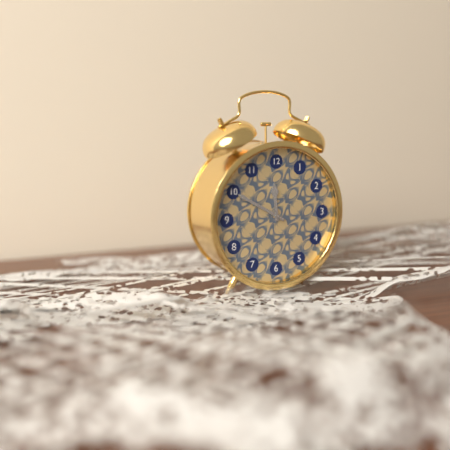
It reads 11 h 50 min
